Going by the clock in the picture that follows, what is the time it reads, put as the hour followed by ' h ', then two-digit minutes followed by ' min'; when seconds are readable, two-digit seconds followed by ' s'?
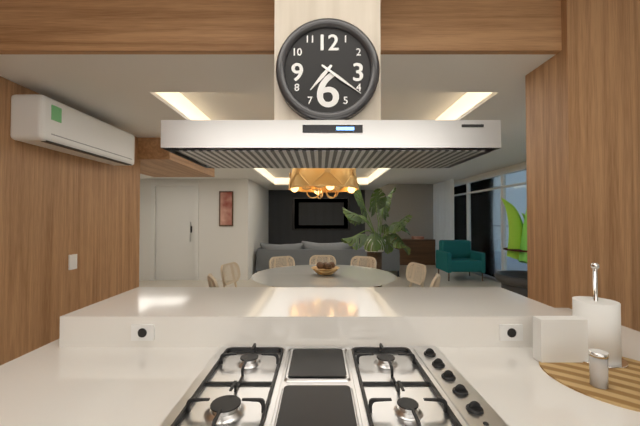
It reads 7 h 21 min
